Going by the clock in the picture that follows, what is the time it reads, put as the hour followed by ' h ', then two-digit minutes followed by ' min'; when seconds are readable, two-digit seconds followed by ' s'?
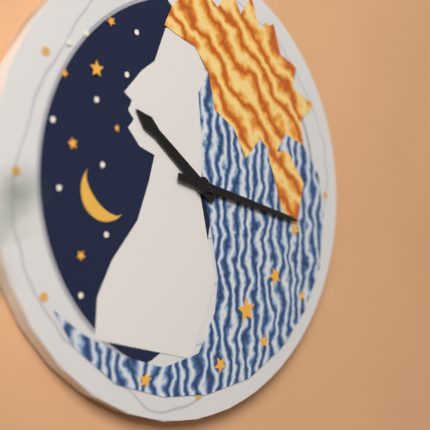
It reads 10 h 17 min
